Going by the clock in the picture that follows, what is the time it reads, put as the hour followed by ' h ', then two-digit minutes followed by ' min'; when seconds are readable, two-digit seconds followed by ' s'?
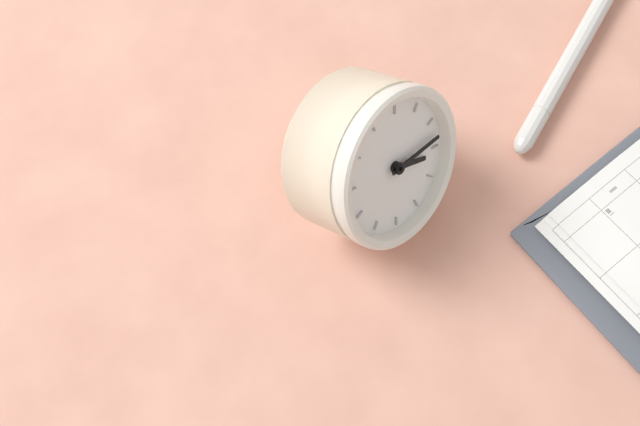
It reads 3 h 13 min
